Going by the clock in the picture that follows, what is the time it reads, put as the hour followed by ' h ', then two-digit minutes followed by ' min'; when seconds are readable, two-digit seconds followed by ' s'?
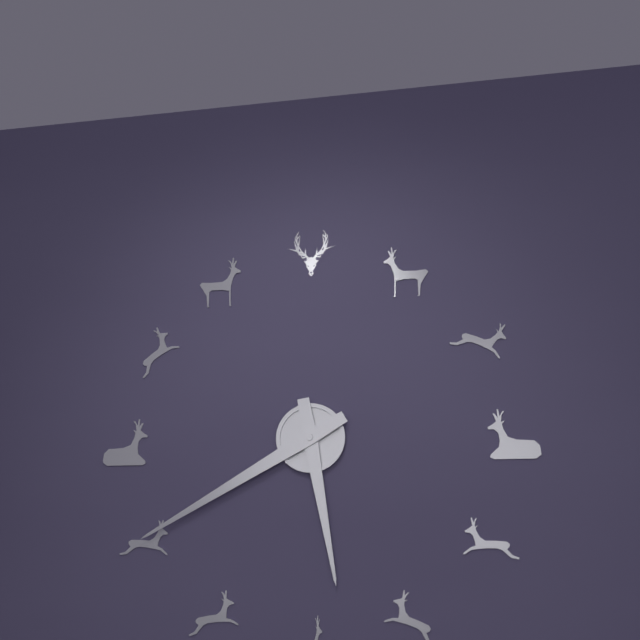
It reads 5 h 40 min
